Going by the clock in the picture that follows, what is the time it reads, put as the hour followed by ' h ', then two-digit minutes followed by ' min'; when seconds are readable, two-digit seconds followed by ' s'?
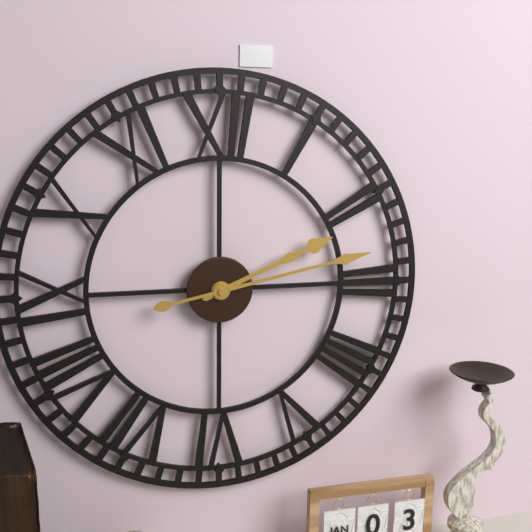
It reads 2 h 13 min
